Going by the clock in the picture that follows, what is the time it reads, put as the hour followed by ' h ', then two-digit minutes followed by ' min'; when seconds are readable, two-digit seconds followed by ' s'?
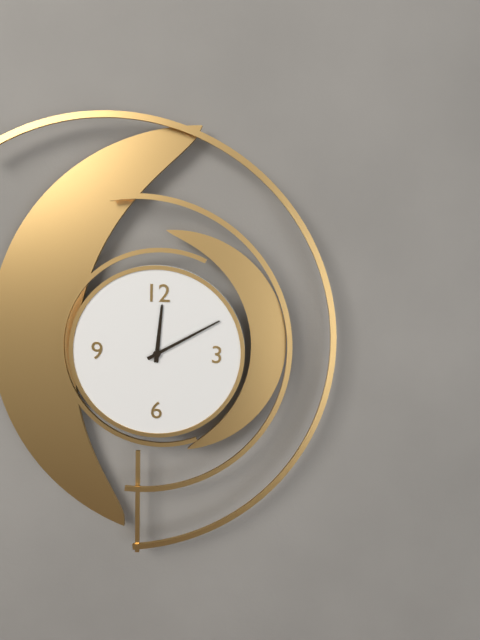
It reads 12 h 10 min
